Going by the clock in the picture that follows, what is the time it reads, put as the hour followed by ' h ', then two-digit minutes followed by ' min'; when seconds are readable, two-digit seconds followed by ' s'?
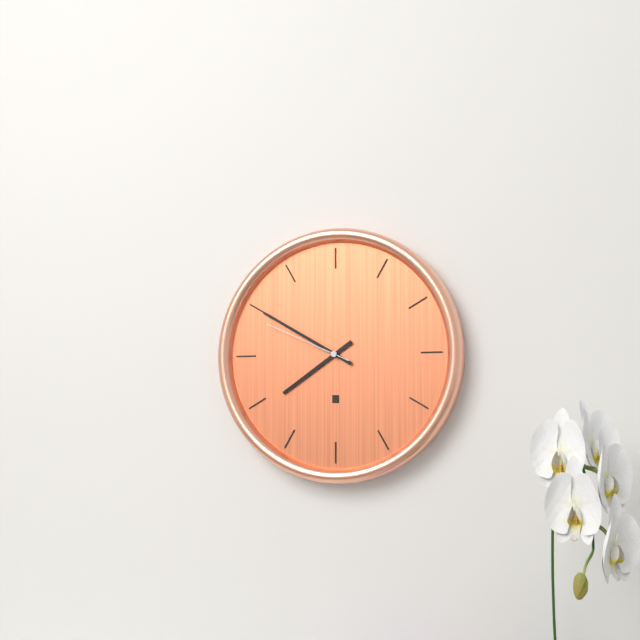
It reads 7 h 50 min 49 s
